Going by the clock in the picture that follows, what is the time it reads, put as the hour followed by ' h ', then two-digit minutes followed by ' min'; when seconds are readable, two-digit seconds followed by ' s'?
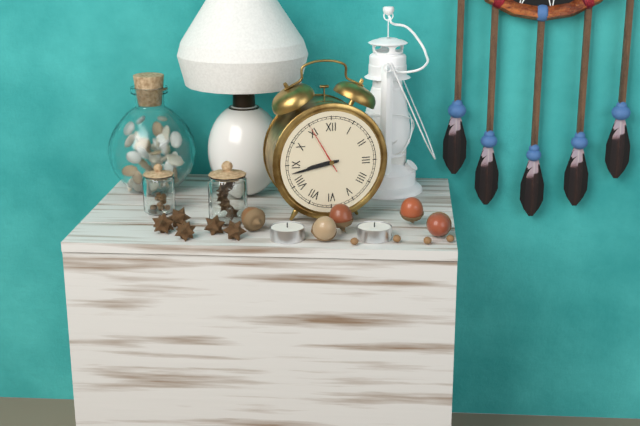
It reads 8 h 43 min 55 s
